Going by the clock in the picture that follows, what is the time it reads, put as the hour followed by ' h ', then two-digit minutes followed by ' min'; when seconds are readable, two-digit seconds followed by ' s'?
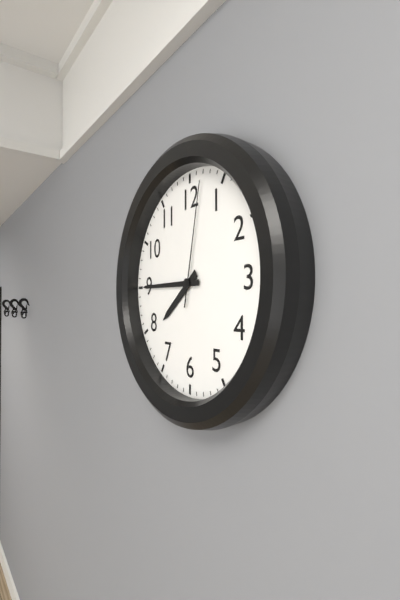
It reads 7 h 45 min 02 s
